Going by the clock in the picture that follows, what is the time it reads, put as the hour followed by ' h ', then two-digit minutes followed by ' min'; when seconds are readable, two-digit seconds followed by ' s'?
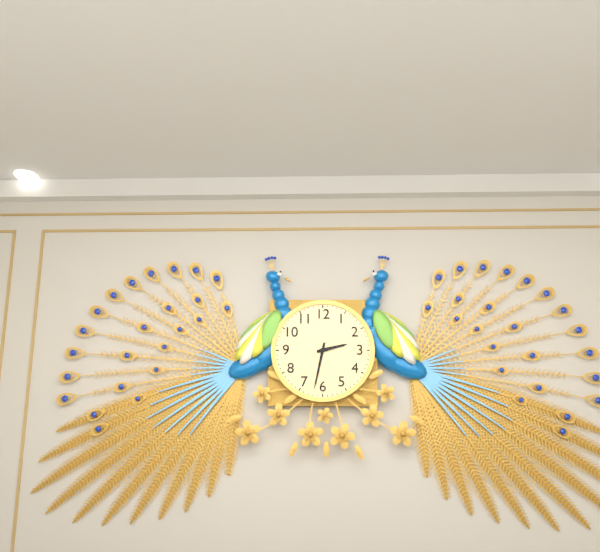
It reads 2 h 32 min
